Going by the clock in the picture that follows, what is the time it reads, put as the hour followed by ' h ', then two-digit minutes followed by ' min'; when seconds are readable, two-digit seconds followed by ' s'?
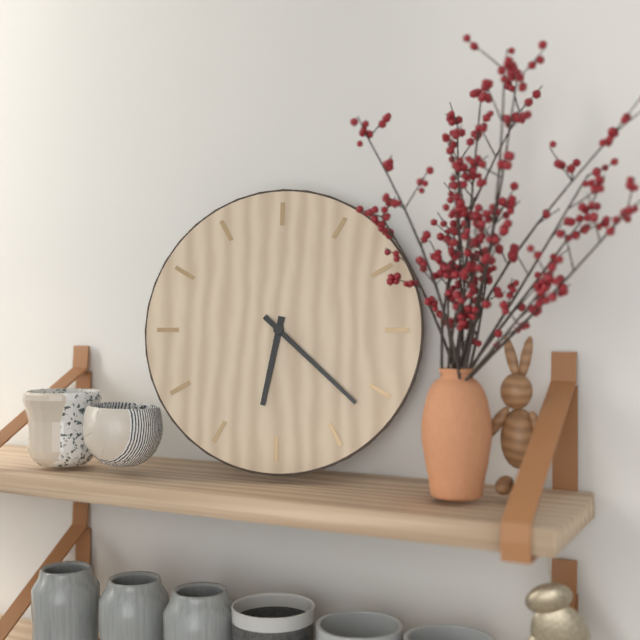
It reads 6 h 22 min
